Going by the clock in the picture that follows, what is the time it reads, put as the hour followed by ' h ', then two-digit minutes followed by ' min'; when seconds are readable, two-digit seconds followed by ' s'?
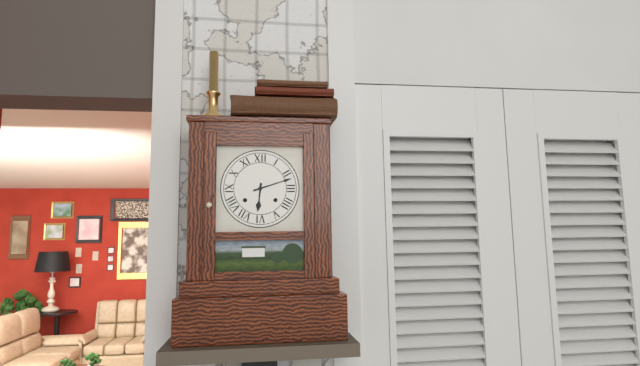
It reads 6 h 12 min
